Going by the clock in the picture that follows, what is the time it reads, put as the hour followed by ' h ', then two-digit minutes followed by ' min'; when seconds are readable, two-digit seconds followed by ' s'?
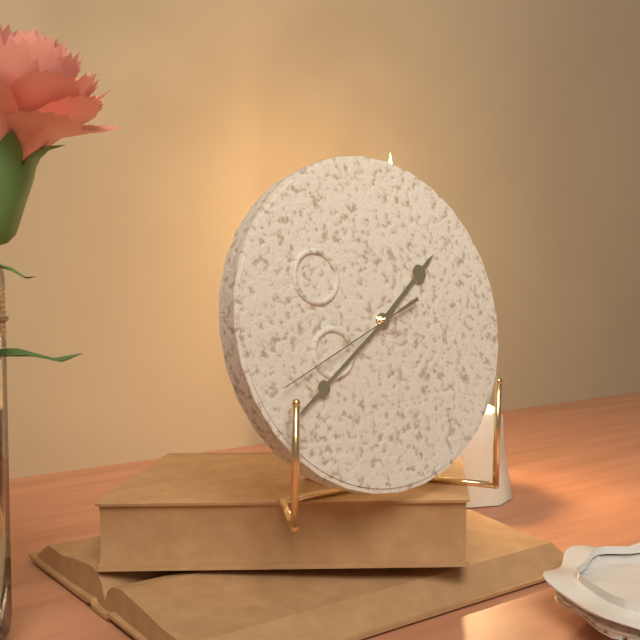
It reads 1 h 39 min 41 s
